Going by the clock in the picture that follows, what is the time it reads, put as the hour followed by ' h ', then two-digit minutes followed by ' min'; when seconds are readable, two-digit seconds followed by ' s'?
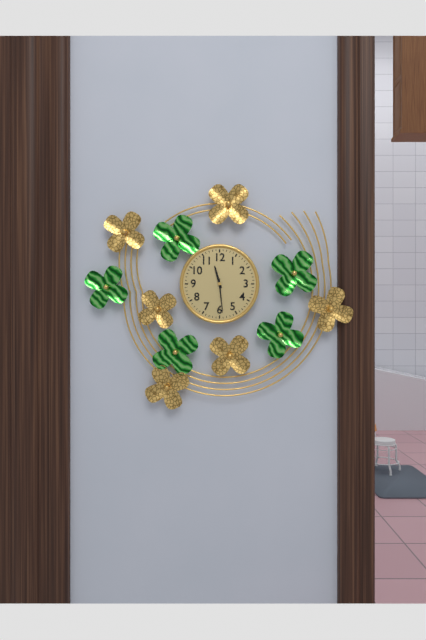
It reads 11 h 29 min
